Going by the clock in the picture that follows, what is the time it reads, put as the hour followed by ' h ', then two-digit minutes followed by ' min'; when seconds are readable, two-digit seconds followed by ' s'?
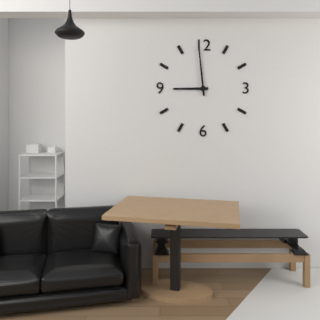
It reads 8 h 59 min
